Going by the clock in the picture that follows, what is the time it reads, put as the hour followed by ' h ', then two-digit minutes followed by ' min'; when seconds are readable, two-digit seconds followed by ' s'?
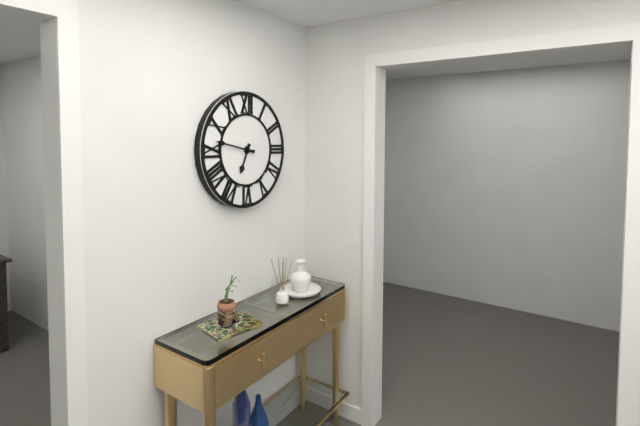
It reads 6 h 47 min
